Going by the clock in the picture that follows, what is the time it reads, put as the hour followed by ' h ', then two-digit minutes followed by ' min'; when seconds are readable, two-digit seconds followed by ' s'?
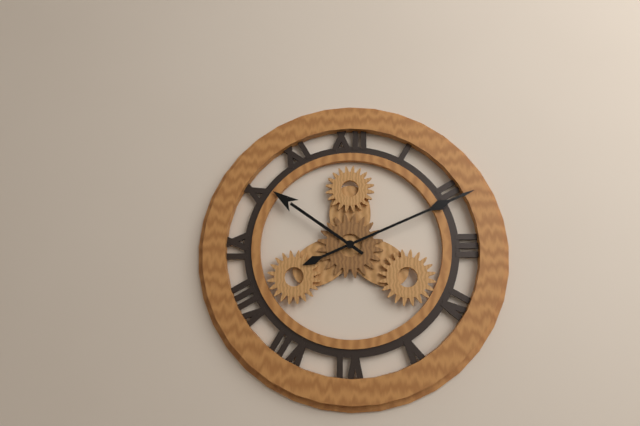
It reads 10 h 11 min
